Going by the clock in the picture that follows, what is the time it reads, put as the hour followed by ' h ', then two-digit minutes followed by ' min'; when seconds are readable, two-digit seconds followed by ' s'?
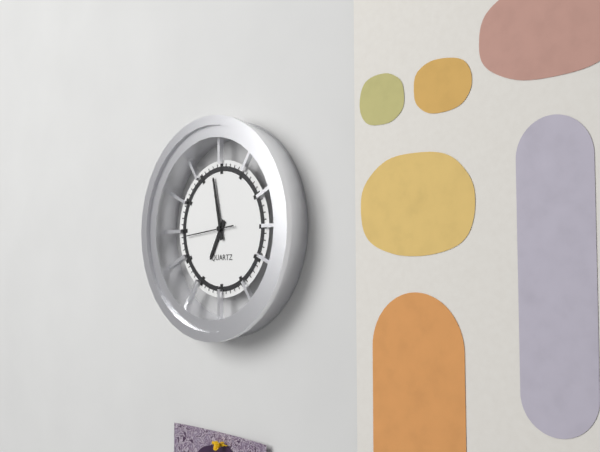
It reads 6 h 58 min
